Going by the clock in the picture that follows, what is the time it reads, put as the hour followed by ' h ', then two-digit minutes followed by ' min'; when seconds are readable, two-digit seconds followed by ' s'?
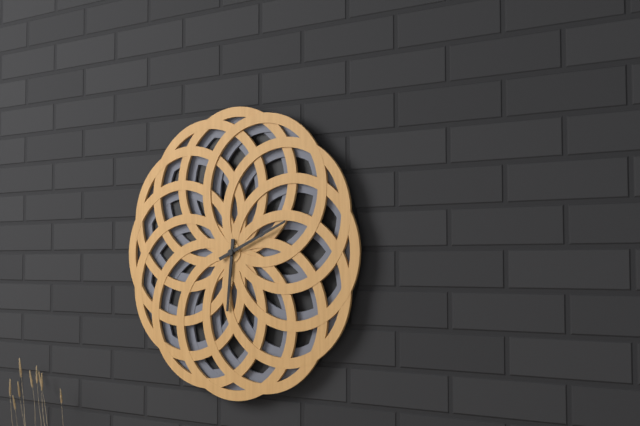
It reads 6 h 11 min
